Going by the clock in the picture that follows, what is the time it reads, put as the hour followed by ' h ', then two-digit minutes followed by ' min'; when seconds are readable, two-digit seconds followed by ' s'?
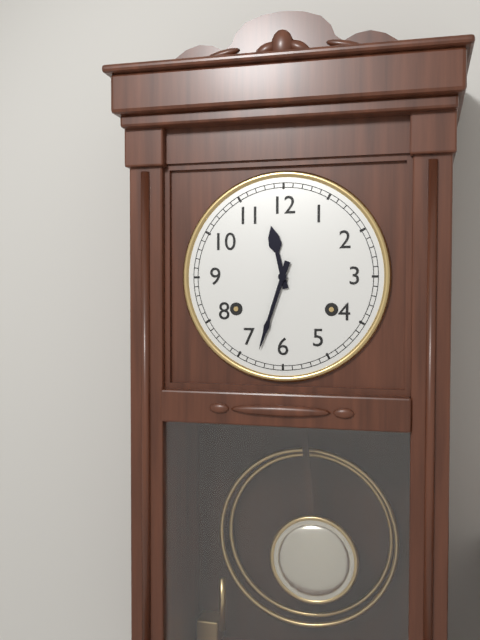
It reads 11 h 33 min
